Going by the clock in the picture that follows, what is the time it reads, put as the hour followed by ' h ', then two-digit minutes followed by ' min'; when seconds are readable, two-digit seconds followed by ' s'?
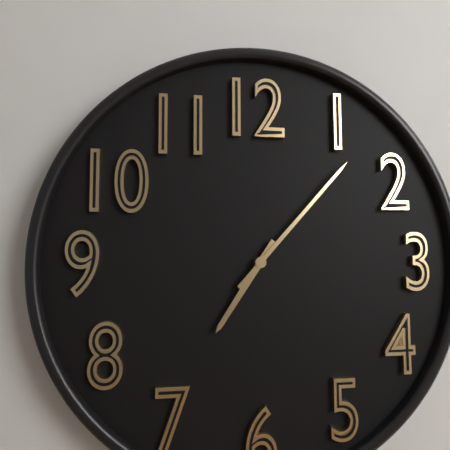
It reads 7 h 07 min
